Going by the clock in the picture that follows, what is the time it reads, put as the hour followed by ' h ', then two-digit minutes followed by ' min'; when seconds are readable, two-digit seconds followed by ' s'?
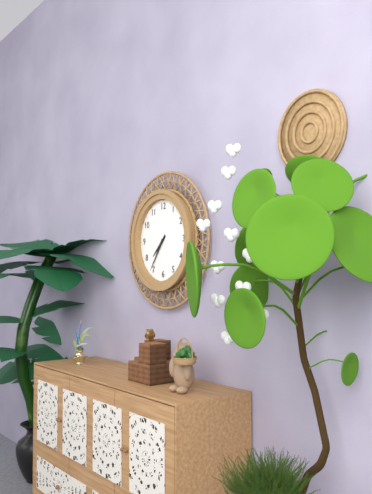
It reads 7 h 36 min
